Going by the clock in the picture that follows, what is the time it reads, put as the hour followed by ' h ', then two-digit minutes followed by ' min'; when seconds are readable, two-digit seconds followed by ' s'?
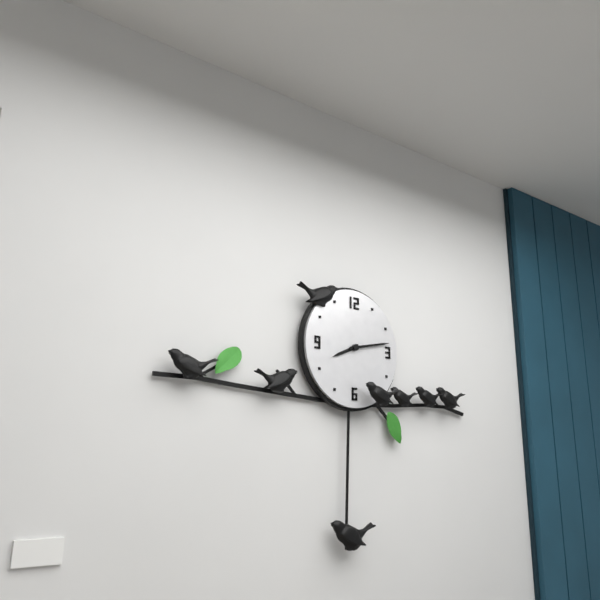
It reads 8 h 13 min
